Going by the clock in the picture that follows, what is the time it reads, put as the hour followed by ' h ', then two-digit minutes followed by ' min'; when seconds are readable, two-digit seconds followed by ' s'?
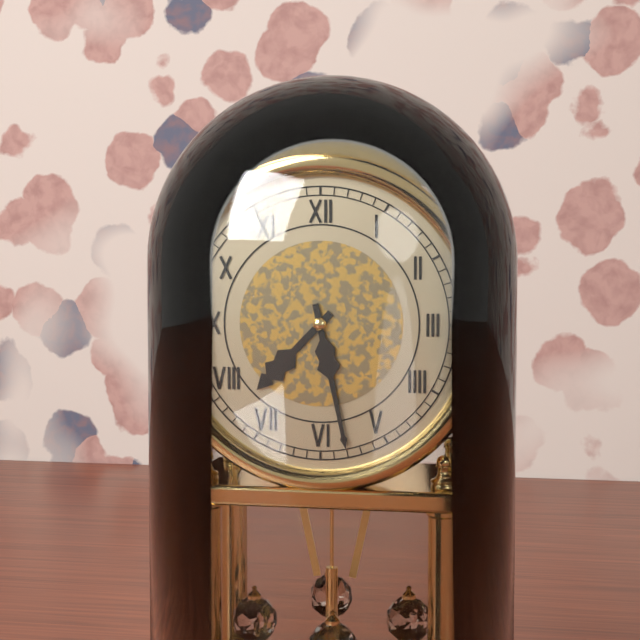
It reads 7 h 28 min
